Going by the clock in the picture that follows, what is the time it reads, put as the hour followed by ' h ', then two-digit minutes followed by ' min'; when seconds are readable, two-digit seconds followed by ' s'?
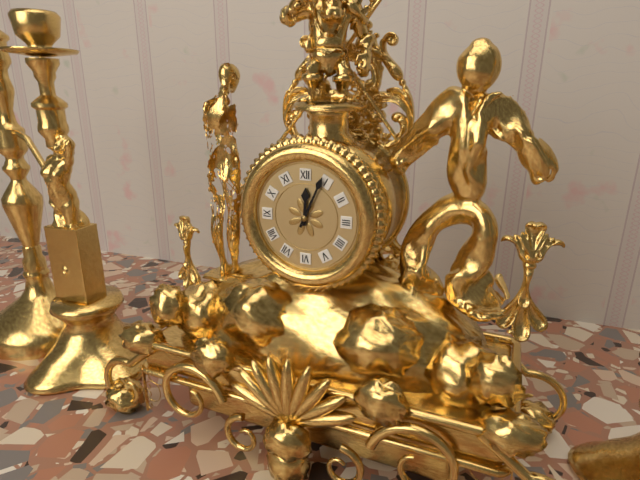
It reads 12 h 04 min
